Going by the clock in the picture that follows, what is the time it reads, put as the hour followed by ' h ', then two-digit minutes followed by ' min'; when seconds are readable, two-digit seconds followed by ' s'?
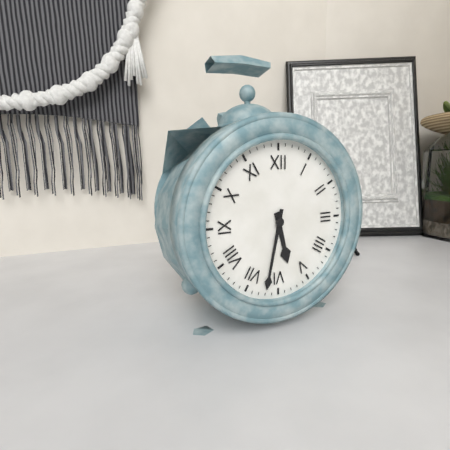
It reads 5 h 32 min
